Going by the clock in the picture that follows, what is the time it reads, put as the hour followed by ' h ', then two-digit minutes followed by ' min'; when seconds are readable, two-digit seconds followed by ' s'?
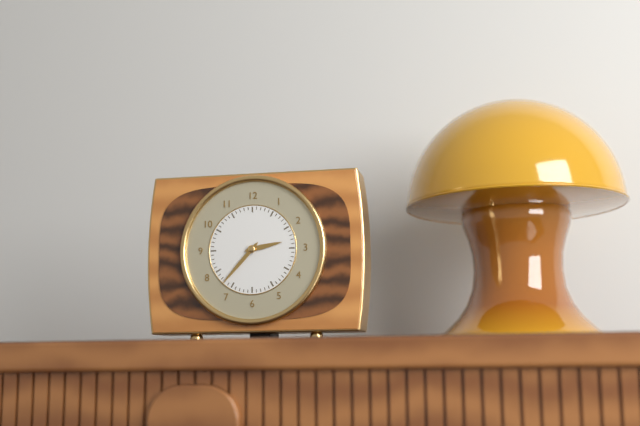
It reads 2 h 37 min
